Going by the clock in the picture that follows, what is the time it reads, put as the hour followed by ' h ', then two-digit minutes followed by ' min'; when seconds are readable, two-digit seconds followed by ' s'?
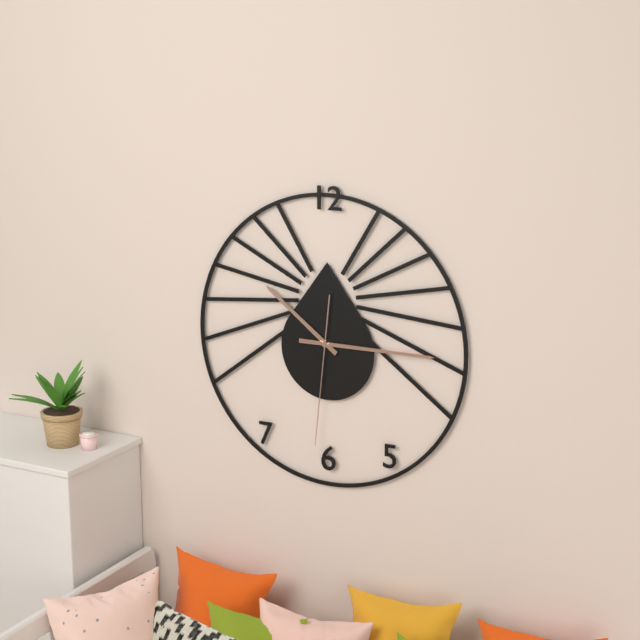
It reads 10 h 15 min 31 s
